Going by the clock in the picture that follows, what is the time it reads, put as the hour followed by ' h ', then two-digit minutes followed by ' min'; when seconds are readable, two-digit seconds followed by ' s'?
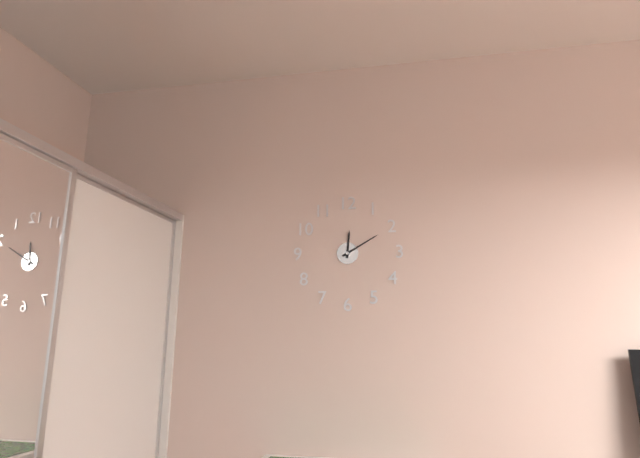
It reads 12 h 10 min
